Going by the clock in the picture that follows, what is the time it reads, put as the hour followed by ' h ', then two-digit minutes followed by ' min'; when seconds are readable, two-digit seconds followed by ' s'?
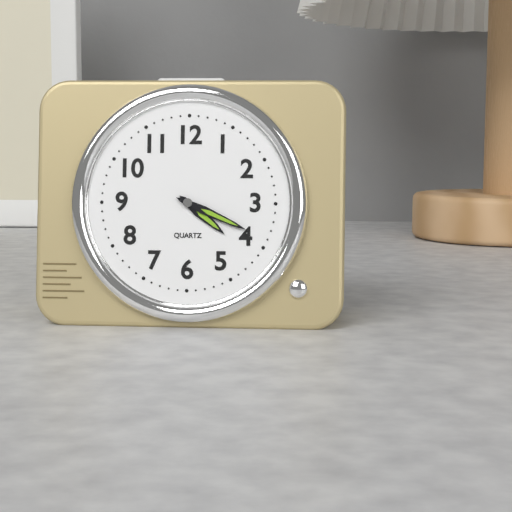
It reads 4 h 19 min
